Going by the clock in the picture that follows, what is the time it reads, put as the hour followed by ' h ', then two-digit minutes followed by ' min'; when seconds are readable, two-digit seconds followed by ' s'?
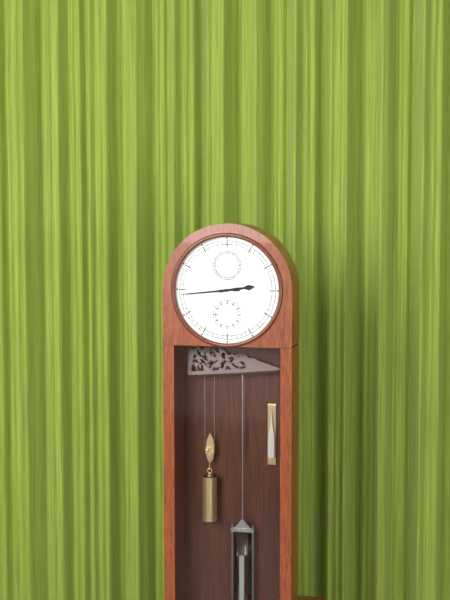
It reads 2 h 44 min
